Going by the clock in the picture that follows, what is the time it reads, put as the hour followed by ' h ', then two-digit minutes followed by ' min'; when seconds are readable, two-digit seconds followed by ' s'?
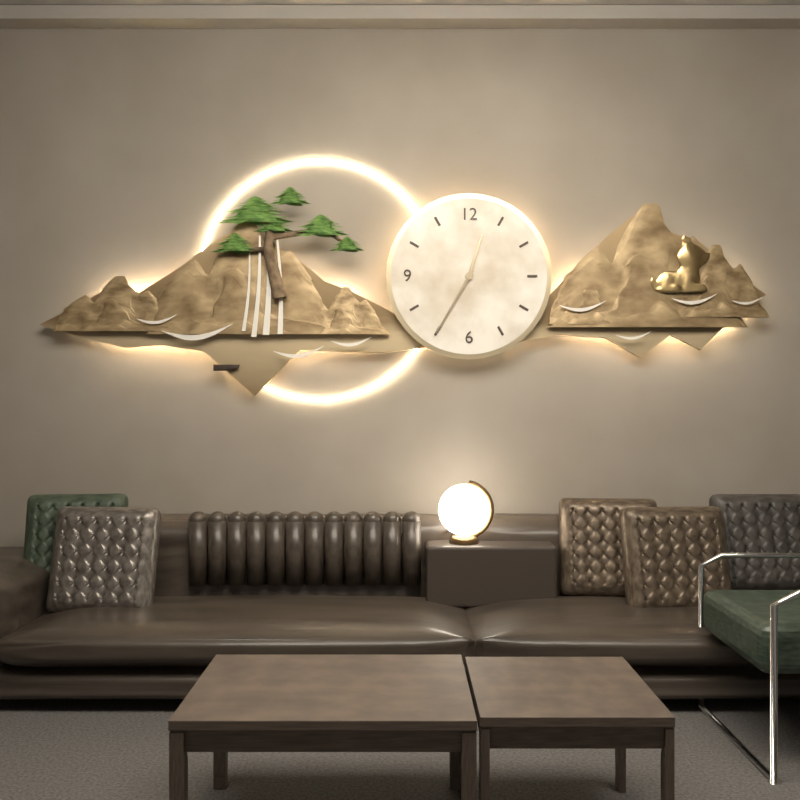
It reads 12 h 35 min
